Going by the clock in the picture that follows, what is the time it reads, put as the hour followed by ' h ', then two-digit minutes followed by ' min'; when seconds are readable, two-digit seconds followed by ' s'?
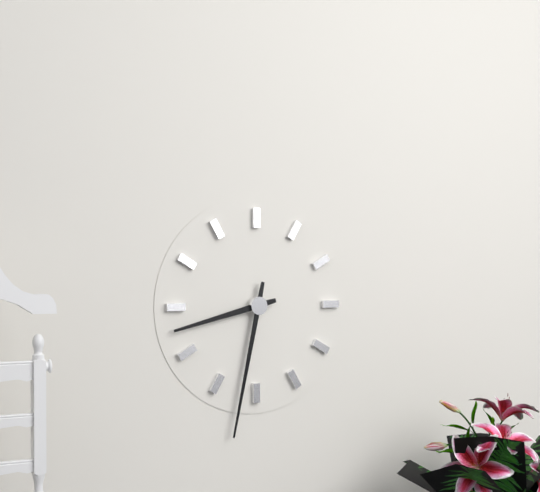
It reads 8 h 32 min
